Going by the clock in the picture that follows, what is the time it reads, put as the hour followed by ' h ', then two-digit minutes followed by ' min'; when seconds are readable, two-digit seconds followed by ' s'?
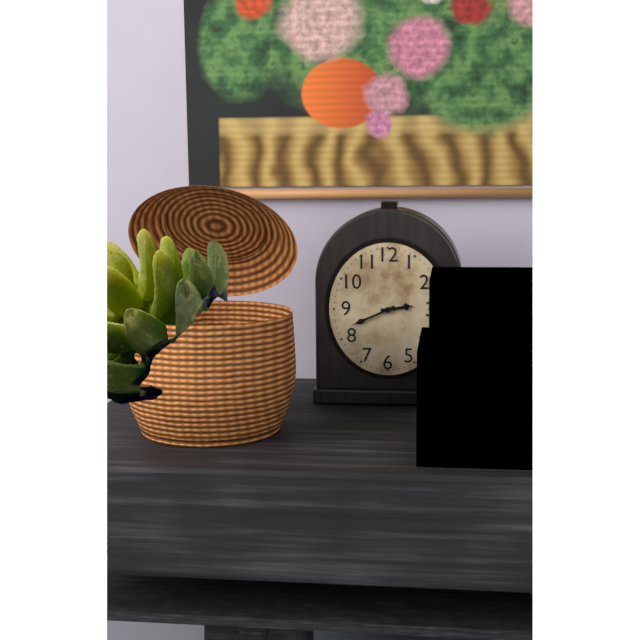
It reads 2 h 41 min
